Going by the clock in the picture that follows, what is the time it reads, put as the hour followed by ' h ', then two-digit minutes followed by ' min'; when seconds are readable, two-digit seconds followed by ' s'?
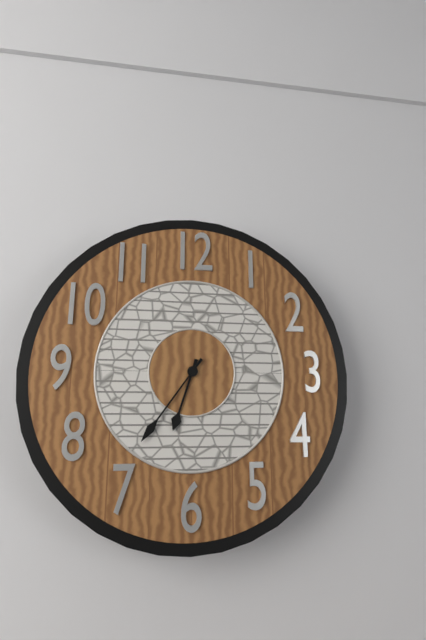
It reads 6 h 36 min
